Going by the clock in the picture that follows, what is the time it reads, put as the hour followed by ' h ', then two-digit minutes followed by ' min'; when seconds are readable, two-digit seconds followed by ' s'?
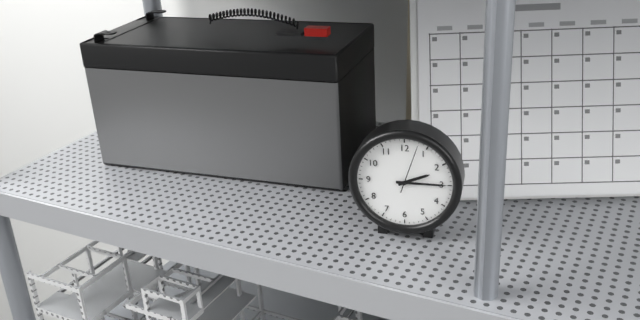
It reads 2 h 15 min 03 s
